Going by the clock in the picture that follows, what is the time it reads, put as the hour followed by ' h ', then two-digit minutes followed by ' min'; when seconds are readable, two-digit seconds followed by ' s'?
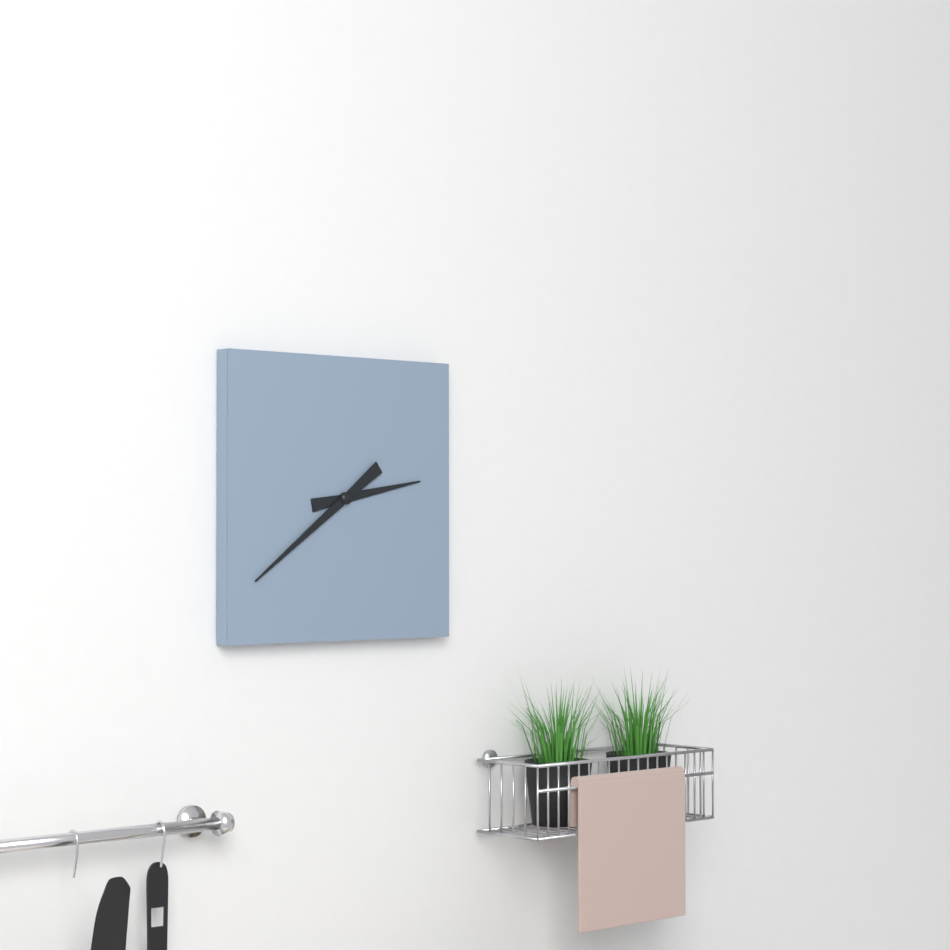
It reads 2 h 39 min
